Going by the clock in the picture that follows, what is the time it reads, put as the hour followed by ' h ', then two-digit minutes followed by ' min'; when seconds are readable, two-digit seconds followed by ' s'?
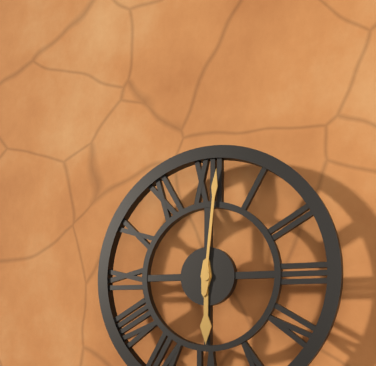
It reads 6 h 01 min
